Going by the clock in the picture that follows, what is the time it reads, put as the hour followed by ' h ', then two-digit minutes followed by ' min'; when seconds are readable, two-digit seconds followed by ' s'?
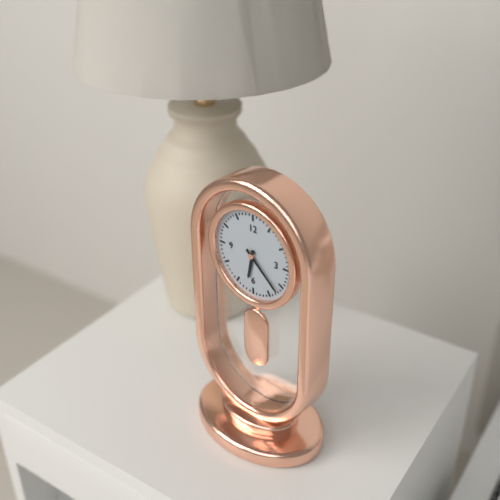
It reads 6 h 22 min
